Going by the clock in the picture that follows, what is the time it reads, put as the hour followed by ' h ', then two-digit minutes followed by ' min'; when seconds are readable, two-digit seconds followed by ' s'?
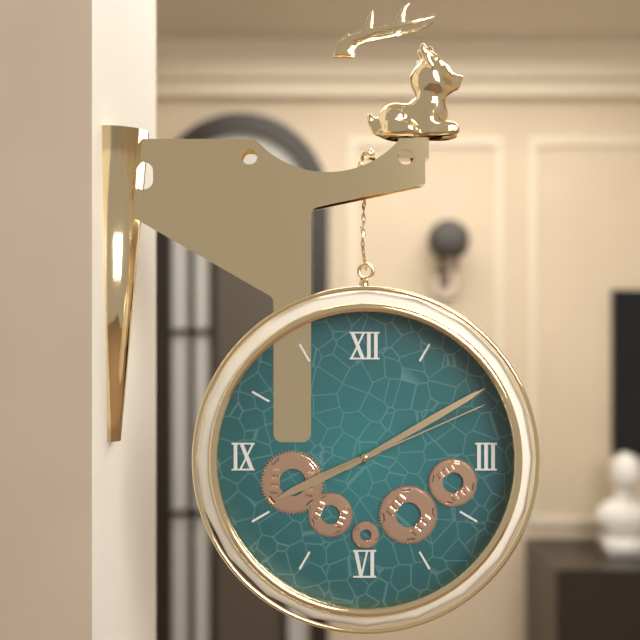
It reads 8 h 10 min 11 s
